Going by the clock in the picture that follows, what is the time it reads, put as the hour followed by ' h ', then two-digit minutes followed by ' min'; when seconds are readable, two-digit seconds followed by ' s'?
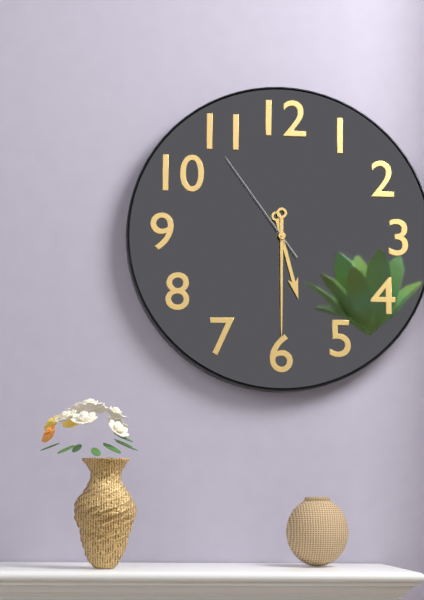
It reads 5 h 30 min 54 s
